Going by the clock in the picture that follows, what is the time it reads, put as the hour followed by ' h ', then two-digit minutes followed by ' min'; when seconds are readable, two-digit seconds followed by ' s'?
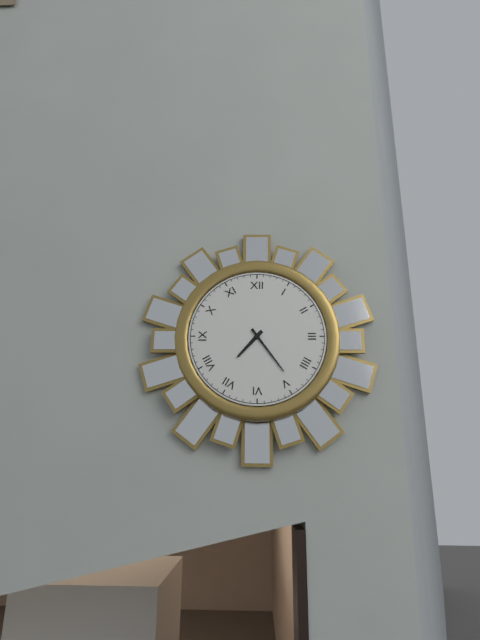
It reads 7 h 24 min
